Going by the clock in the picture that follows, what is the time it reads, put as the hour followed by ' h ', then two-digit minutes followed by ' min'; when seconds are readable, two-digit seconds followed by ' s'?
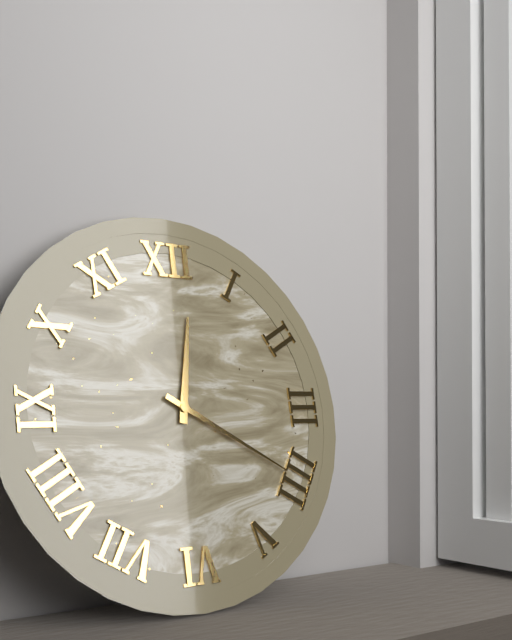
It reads 12 h 20 min
